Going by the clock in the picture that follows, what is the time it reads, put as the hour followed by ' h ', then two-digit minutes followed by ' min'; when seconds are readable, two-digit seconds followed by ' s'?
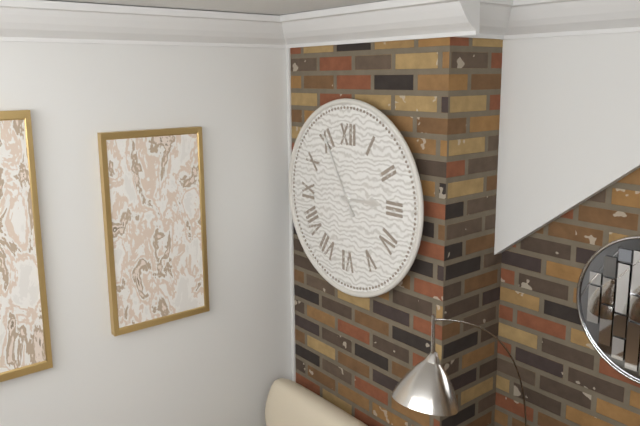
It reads 2 h 55 min
